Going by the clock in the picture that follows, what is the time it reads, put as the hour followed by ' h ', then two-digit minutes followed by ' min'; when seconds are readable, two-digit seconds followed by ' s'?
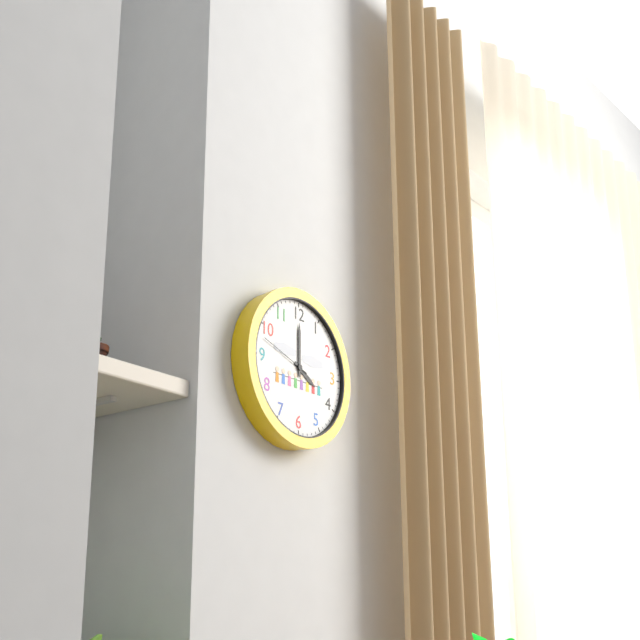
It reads 4 h 00 min 48 s
